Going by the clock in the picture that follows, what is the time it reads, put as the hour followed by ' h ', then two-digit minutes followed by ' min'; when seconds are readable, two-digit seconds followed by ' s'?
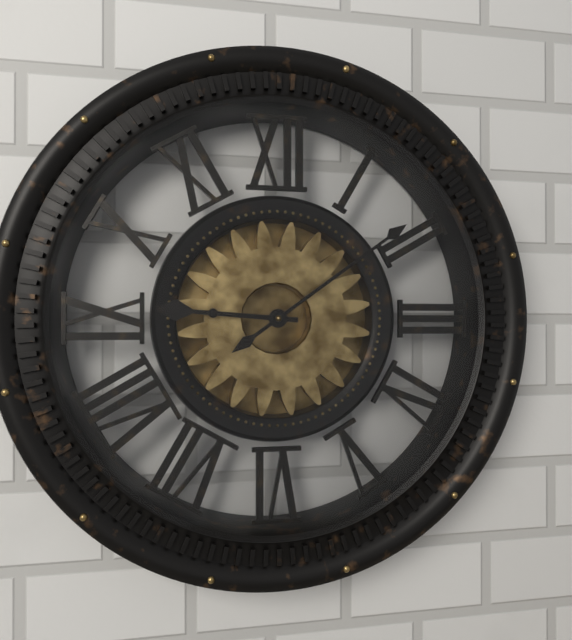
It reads 9 h 09 min
